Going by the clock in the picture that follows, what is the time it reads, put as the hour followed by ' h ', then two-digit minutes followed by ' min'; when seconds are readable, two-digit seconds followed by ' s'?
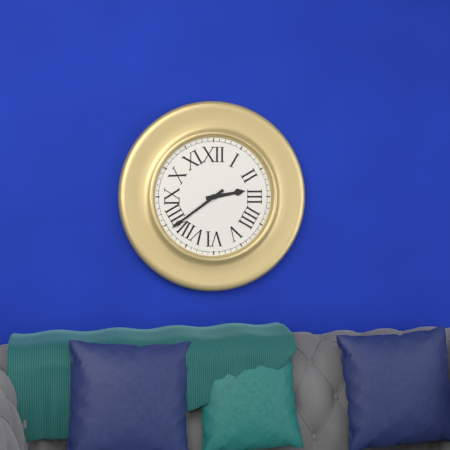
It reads 2 h 39 min
